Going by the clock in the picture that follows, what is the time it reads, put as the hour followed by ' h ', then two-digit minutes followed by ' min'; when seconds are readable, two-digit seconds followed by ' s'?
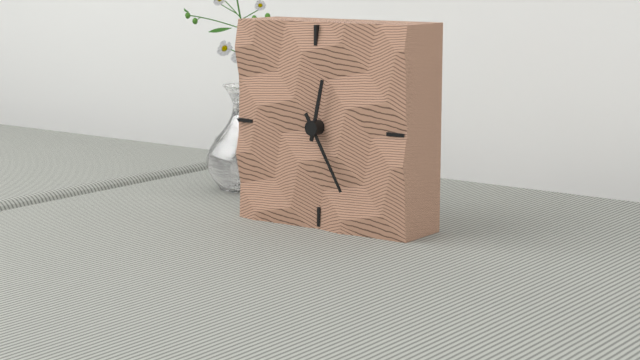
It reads 12 h 25 min
